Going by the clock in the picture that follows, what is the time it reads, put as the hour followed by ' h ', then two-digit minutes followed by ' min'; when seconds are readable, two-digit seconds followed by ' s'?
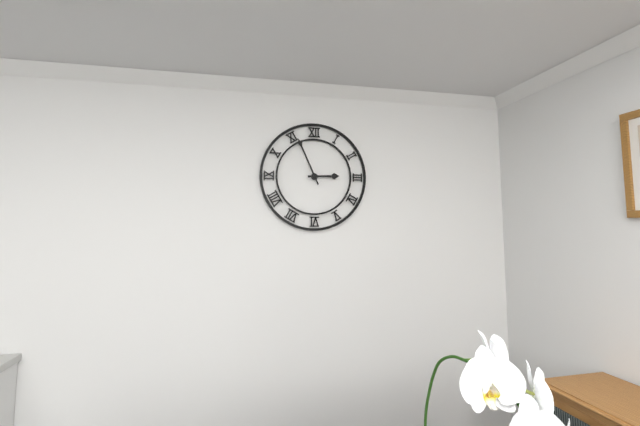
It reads 2 h 56 min
